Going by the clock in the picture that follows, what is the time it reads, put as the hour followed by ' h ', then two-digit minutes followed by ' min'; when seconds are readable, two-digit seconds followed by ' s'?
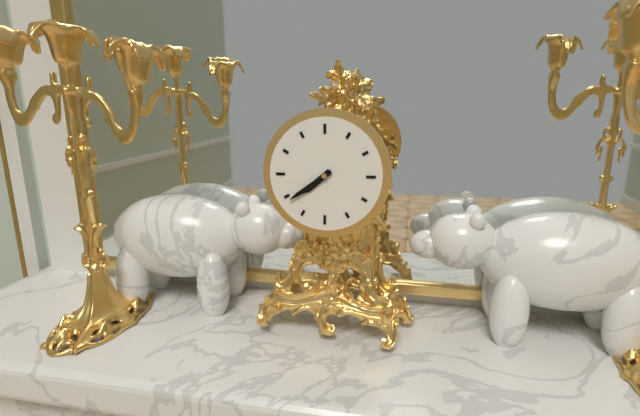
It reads 7 h 39 min
